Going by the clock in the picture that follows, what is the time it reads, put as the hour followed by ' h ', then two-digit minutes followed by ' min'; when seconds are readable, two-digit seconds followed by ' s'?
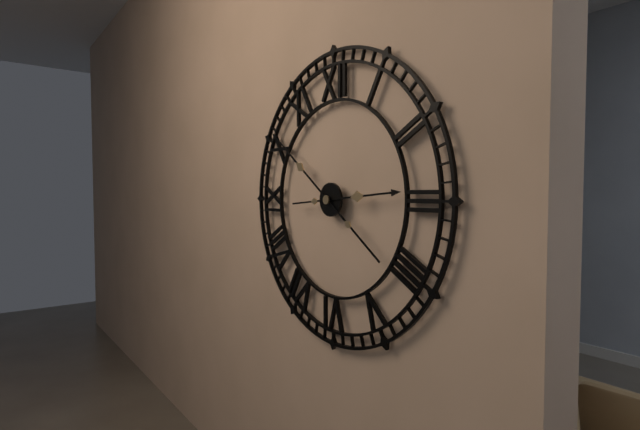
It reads 2 h 51 min
